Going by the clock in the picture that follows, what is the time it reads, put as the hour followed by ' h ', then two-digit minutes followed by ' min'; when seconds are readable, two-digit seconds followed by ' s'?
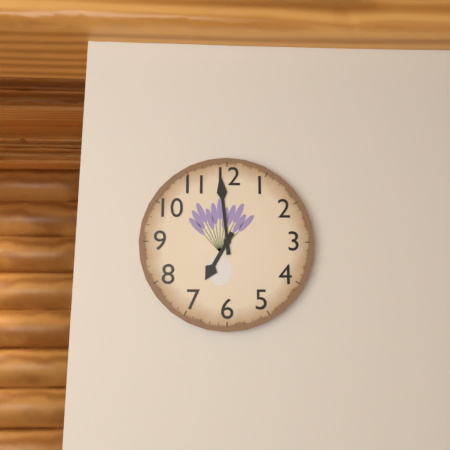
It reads 6 h 59 min
